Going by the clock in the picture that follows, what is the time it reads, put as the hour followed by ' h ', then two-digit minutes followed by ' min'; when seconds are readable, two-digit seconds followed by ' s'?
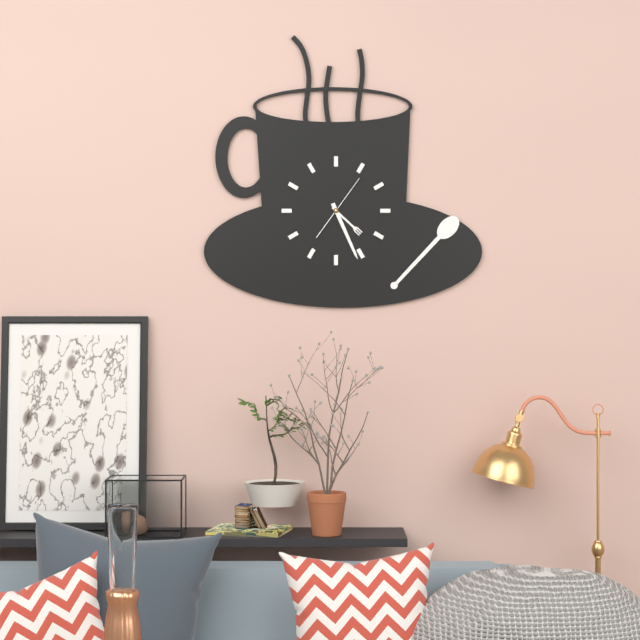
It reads 4 h 26 min 06 s
